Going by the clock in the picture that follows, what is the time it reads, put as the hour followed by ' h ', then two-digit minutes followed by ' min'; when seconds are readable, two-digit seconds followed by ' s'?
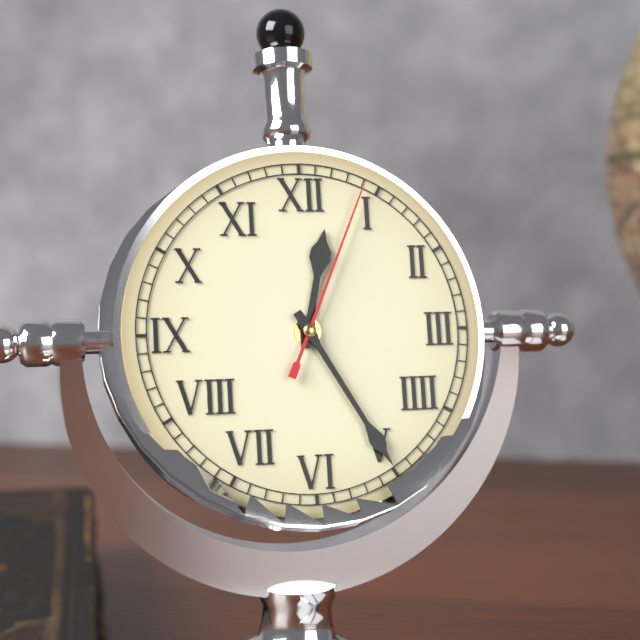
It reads 12 h 25 min 04 s
